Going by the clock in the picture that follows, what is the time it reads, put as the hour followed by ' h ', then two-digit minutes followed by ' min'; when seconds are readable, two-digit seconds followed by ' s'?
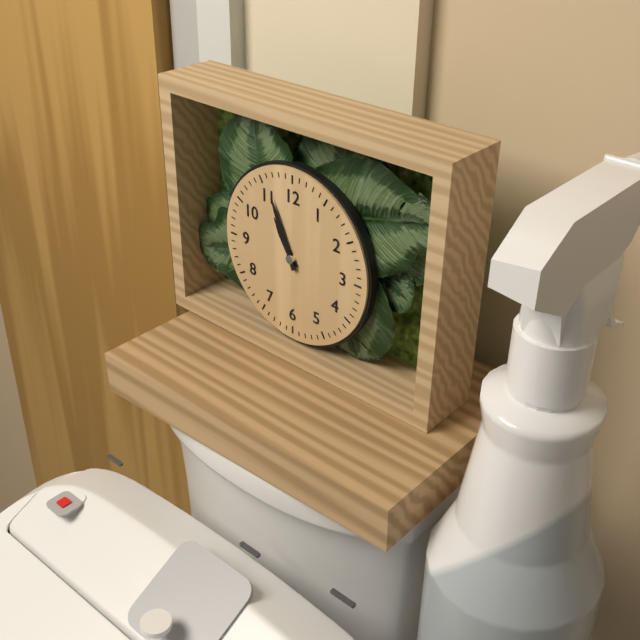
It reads 10 h 56 min
